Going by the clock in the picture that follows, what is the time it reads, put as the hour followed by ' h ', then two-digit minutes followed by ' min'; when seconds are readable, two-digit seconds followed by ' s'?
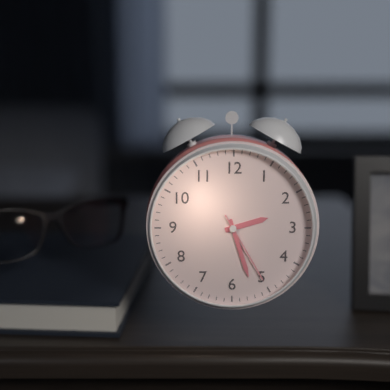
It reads 2 h 27 min 25 s
